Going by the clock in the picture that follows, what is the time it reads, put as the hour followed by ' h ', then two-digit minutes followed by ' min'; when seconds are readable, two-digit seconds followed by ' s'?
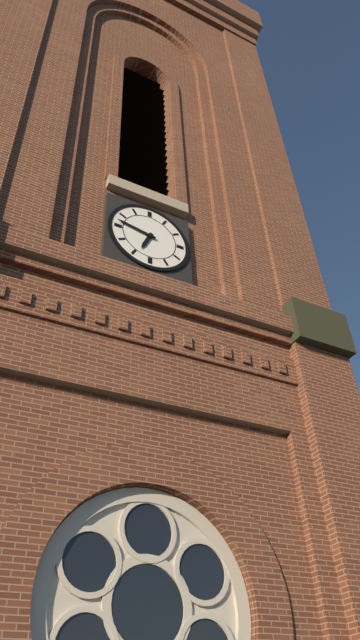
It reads 6 h 47 min
